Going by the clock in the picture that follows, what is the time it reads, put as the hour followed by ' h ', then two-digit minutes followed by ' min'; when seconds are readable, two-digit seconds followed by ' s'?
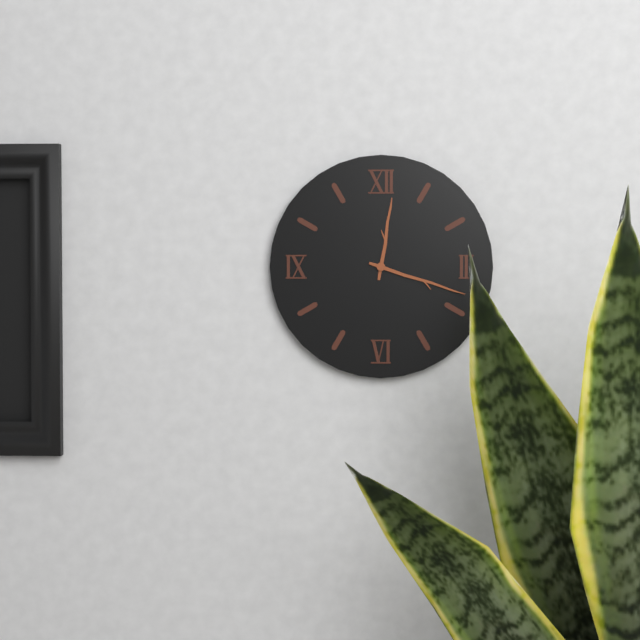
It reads 12 h 18 min
